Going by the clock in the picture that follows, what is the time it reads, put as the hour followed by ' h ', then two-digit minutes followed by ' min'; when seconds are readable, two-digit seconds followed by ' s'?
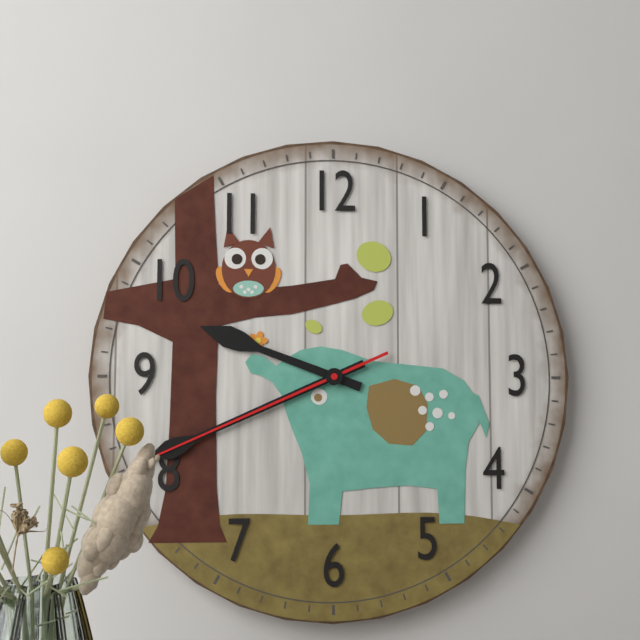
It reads 9 h 41 min 41 s
